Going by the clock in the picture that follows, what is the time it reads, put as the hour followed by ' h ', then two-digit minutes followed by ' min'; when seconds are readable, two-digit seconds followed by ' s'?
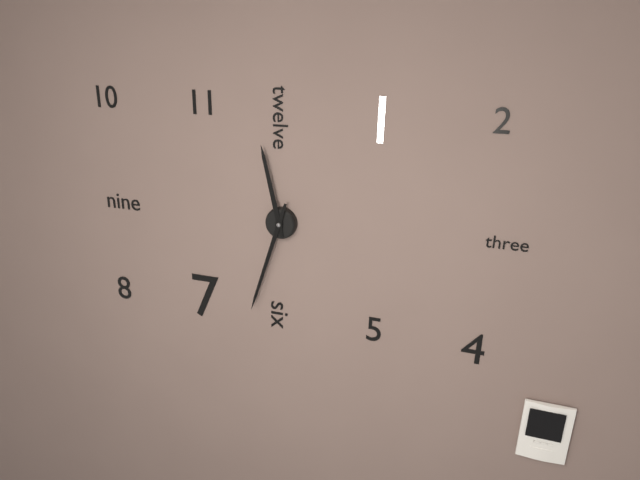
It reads 11 h 33 min
